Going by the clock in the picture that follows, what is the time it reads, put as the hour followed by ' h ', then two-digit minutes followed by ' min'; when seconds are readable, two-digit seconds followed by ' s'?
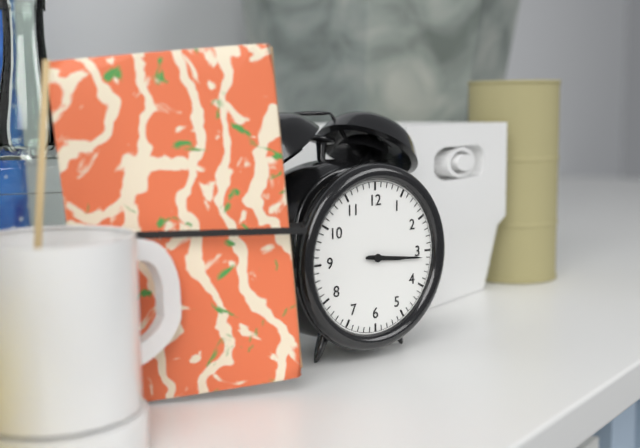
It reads 3 h 16 min
